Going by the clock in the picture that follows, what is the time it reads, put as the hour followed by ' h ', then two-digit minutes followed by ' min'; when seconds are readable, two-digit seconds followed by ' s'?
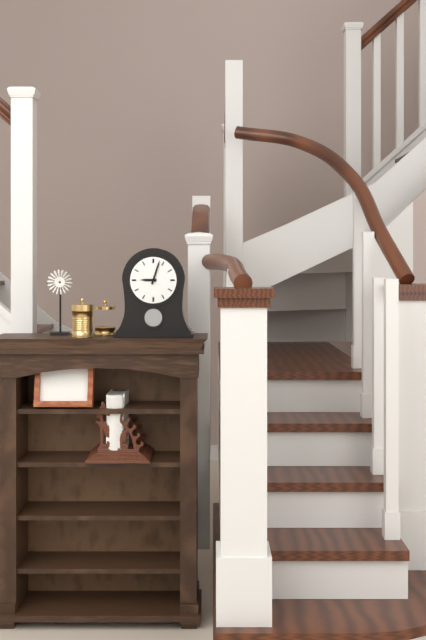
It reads 9 h 03 min
